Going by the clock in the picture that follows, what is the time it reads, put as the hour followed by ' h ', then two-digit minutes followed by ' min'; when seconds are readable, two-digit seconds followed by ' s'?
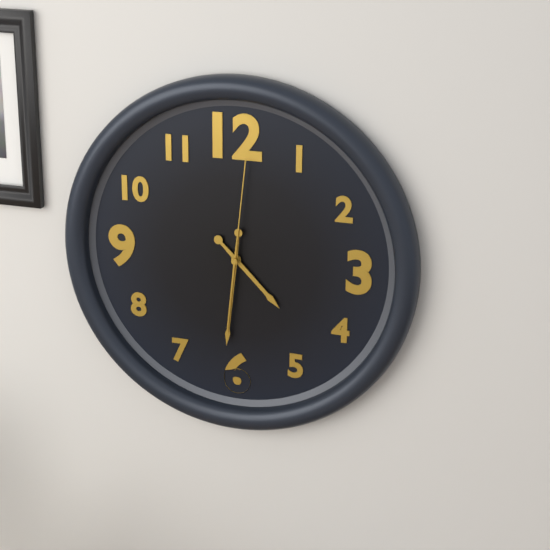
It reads 4 h 31 min 01 s
